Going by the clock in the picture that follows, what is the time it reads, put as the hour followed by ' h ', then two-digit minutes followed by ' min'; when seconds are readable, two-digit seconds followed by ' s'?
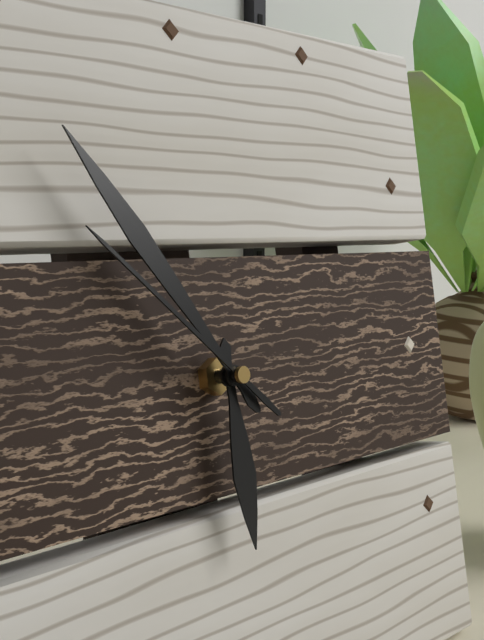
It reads 5 h 54 min 52 s
